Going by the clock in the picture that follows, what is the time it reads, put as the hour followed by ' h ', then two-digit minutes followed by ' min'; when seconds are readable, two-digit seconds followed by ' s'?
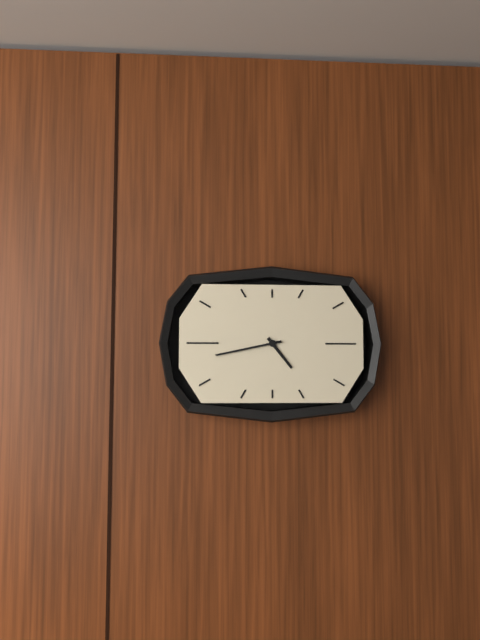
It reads 4 h 43 min
